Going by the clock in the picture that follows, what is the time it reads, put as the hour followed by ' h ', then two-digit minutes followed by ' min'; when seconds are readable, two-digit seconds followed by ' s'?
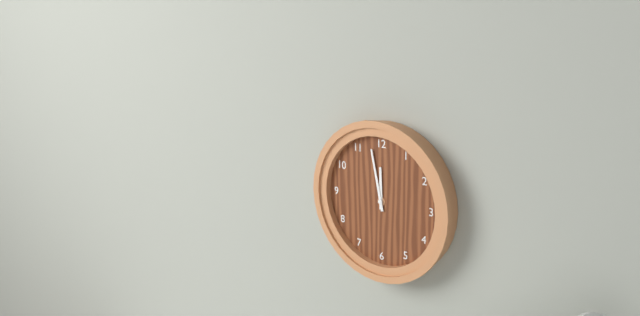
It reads 11 h 58 min
